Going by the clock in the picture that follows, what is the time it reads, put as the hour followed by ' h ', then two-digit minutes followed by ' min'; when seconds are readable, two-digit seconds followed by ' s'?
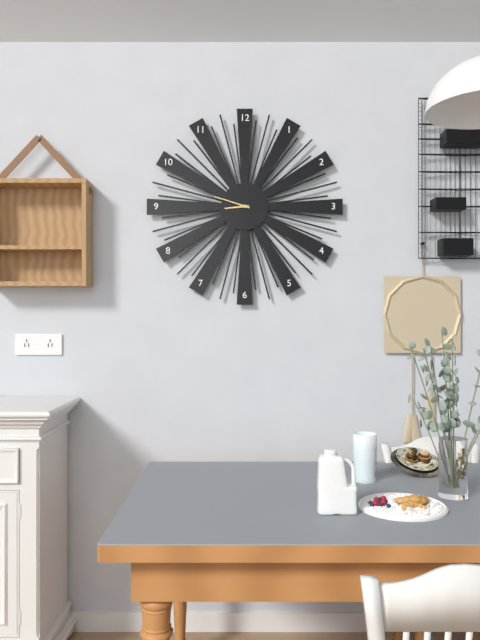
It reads 8 h 48 min
